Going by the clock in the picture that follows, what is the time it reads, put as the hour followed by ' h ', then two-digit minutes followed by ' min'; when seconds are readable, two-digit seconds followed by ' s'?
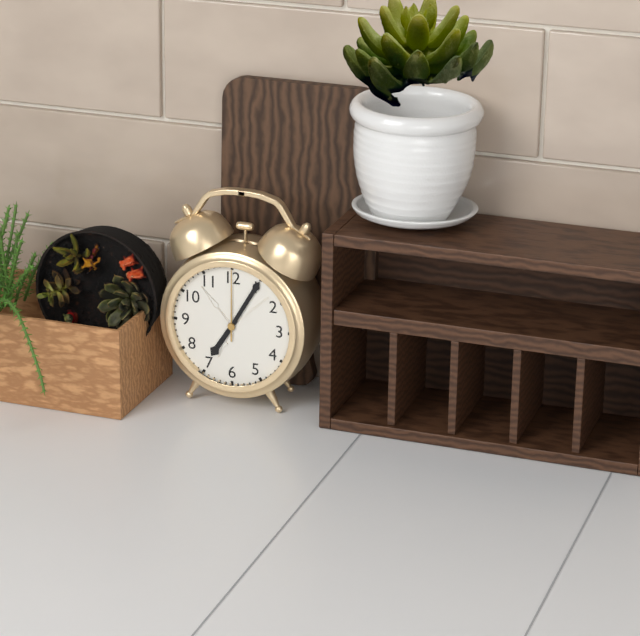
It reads 7 h 05 min 00 s
